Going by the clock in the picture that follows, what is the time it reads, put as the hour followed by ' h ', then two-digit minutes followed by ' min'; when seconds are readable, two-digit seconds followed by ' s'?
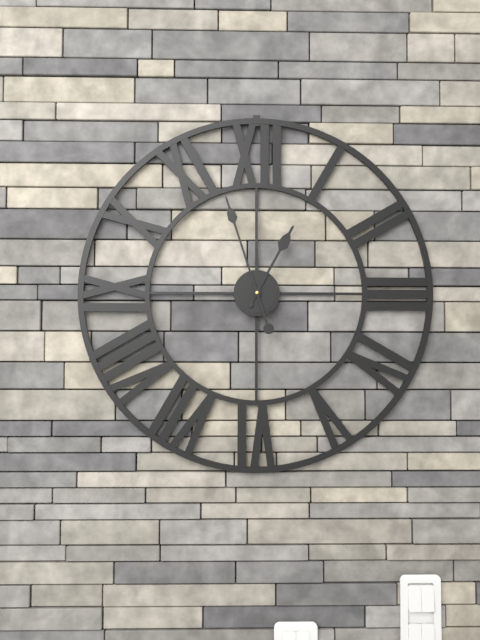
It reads 12 h 57 min
